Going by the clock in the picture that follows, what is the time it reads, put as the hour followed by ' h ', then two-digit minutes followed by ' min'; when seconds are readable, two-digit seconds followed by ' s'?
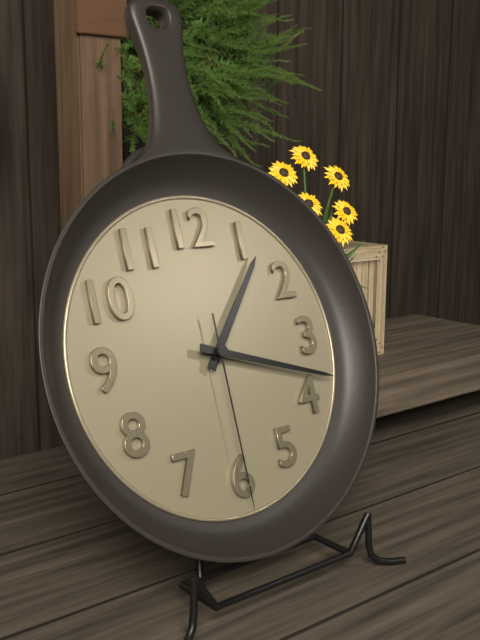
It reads 1 h 18 min 30 s
